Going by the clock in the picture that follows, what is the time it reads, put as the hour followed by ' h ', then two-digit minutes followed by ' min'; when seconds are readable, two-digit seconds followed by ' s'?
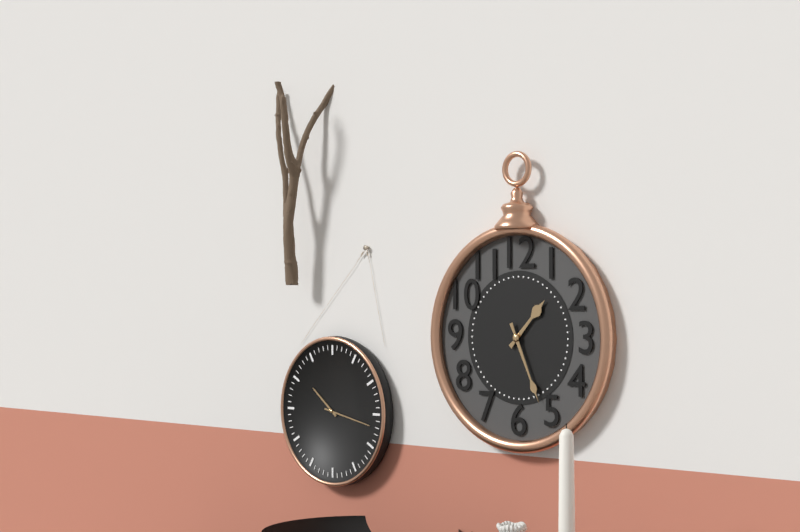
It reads 1 h 26 min
